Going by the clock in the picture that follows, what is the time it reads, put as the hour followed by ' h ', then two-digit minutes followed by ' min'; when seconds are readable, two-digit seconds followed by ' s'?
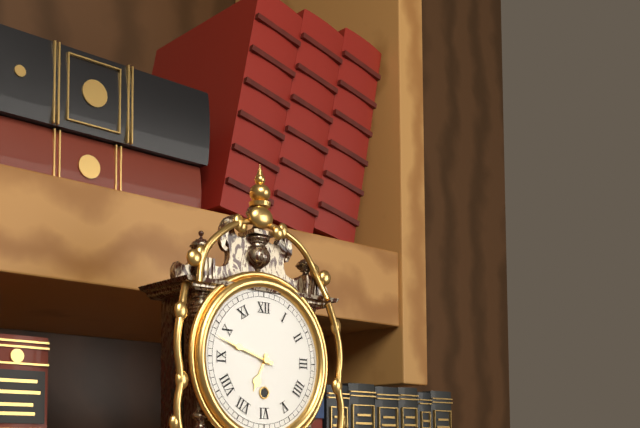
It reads 6 h 48 min
